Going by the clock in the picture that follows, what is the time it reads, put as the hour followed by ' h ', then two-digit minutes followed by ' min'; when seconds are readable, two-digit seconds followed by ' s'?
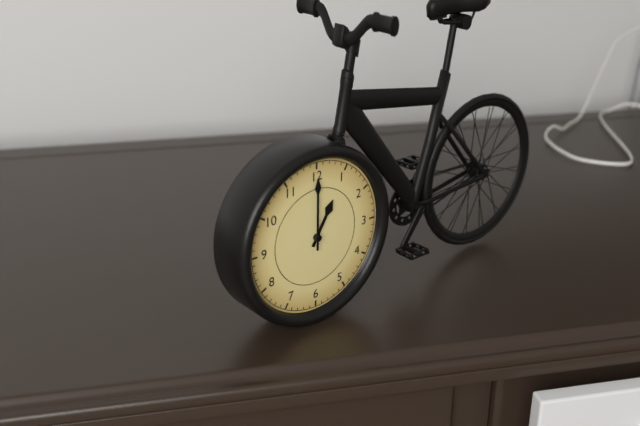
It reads 1 h 00 min
